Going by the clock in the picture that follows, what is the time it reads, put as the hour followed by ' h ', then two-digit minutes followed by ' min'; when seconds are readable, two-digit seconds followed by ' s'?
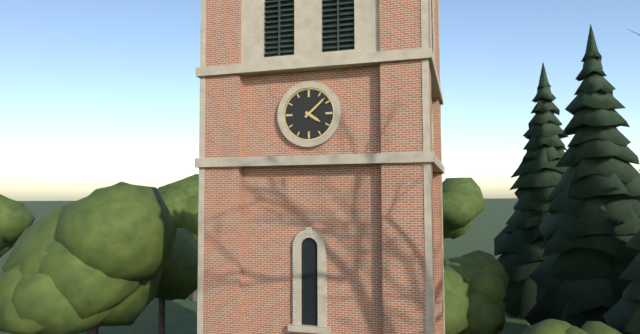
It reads 4 h 08 min
